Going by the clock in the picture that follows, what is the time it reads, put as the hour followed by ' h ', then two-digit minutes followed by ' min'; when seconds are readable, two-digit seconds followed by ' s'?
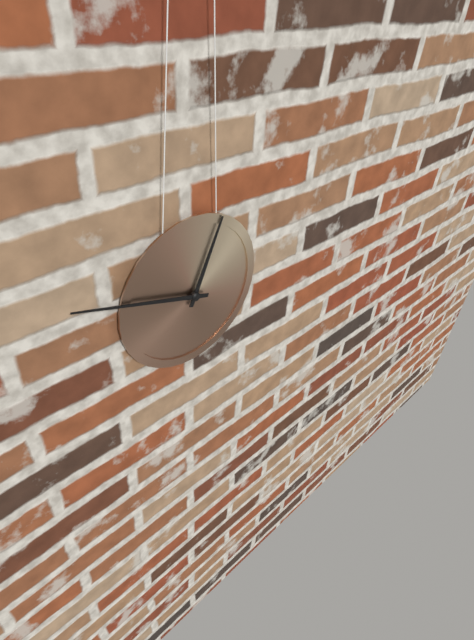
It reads 12 h 48 min
